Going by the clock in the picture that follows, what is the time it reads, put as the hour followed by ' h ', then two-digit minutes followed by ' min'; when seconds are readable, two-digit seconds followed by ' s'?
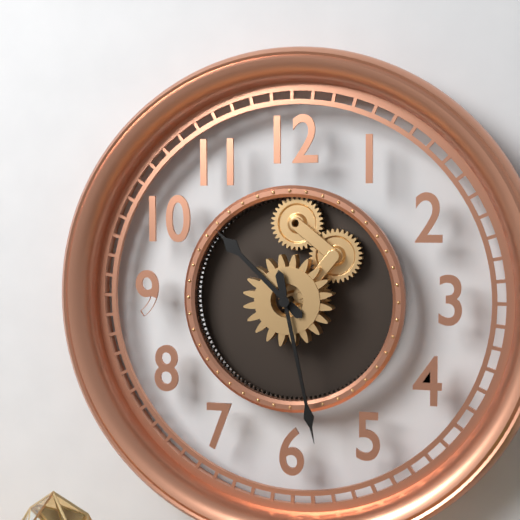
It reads 10 h 28 min
